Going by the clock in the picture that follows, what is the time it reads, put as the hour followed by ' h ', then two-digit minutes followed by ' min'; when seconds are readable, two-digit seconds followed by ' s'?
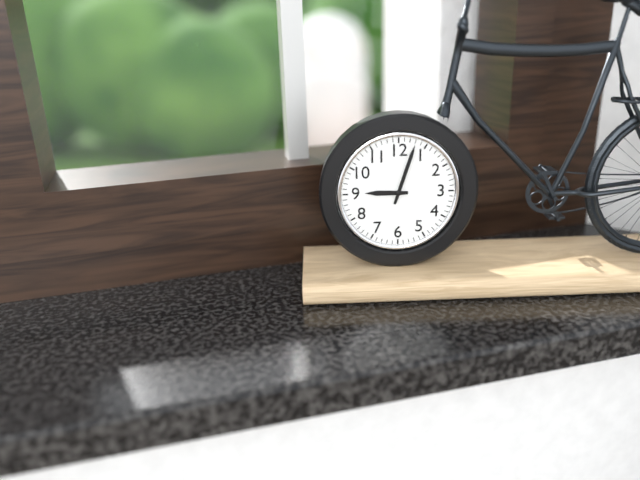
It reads 9 h 03 min
